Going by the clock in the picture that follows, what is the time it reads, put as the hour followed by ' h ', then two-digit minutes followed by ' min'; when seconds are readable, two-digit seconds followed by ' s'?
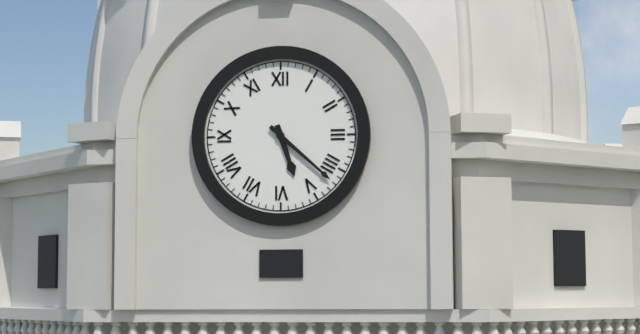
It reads 5 h 22 min
